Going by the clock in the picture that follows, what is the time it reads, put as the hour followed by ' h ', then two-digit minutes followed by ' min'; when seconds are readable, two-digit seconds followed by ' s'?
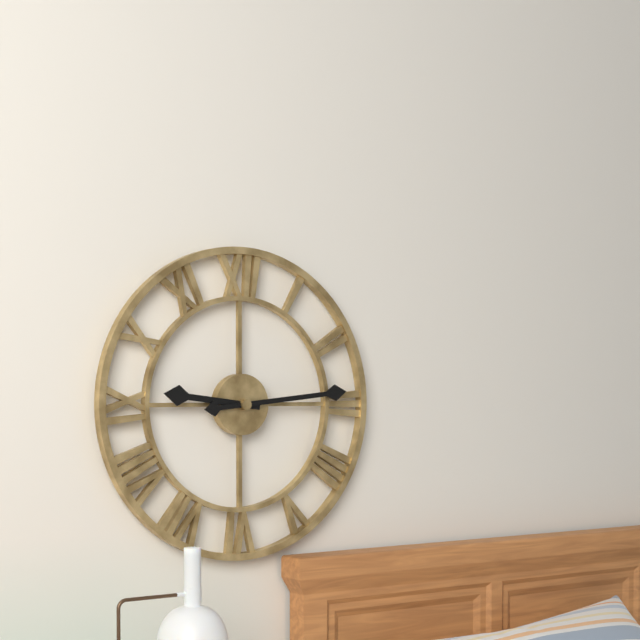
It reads 9 h 14 min
